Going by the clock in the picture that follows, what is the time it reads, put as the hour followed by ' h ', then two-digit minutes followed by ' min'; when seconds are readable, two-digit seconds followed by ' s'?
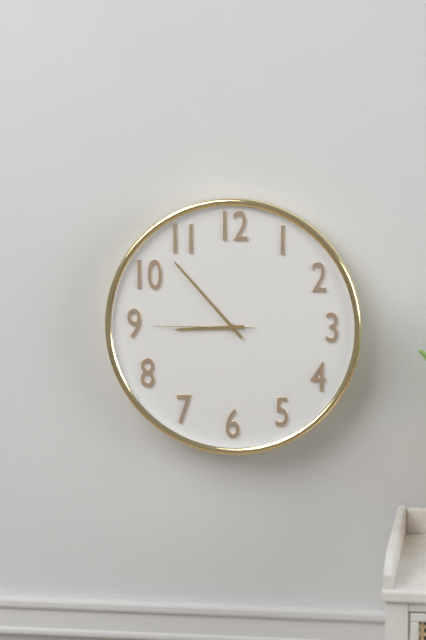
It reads 8 h 53 min 45 s
